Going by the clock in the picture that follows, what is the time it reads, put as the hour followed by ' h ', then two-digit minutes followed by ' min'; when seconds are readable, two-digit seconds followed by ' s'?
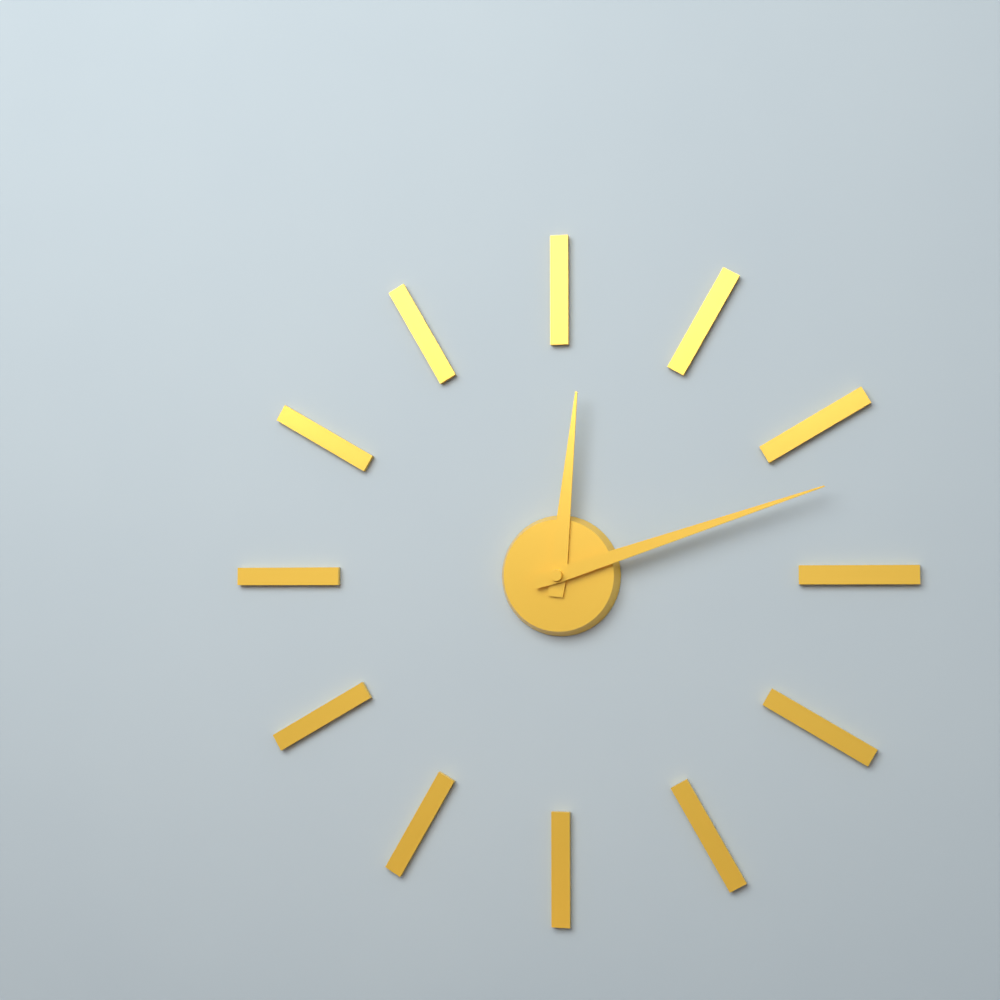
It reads 12 h 12 min
